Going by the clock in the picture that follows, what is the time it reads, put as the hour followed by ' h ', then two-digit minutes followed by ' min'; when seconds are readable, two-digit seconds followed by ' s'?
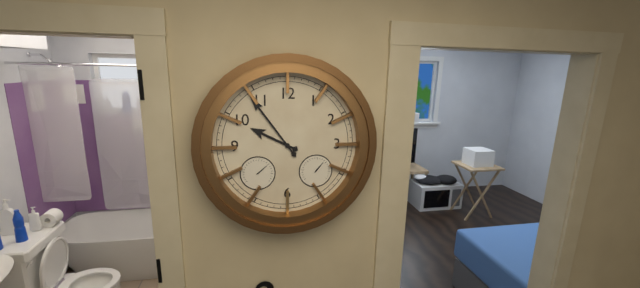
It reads 9 h 54 min
